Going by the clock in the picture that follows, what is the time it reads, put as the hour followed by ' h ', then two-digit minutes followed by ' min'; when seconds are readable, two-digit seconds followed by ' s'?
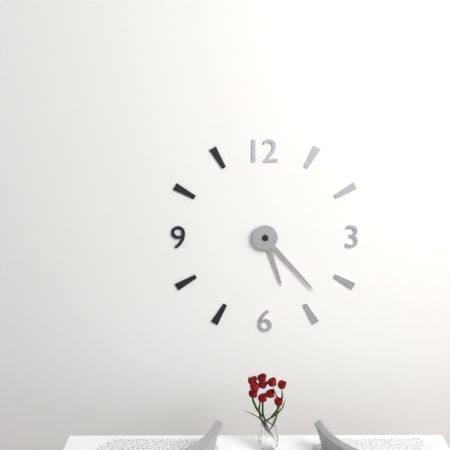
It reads 5 h 23 min
